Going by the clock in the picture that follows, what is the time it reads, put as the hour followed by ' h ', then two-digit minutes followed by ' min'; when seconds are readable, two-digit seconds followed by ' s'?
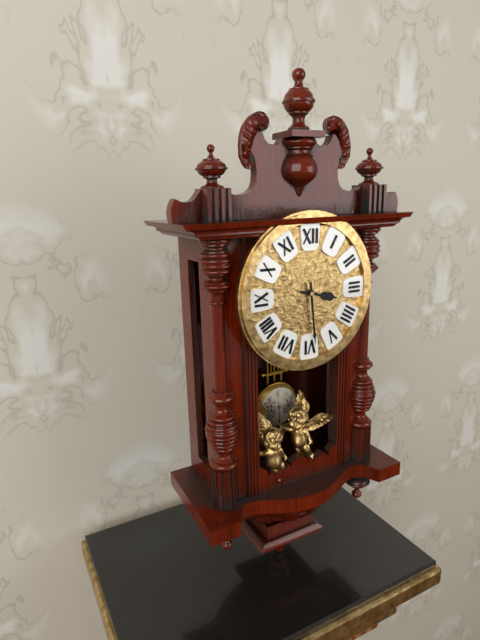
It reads 3 h 29 min
